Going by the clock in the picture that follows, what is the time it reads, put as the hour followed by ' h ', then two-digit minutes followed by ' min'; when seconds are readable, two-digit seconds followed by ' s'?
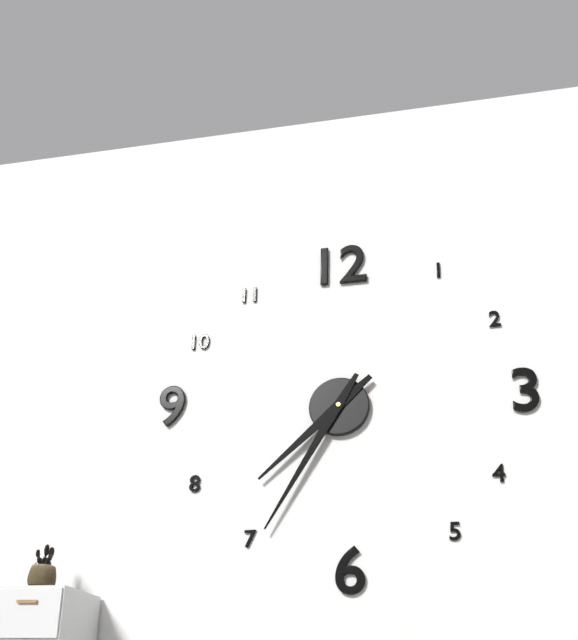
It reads 7 h 35 min
